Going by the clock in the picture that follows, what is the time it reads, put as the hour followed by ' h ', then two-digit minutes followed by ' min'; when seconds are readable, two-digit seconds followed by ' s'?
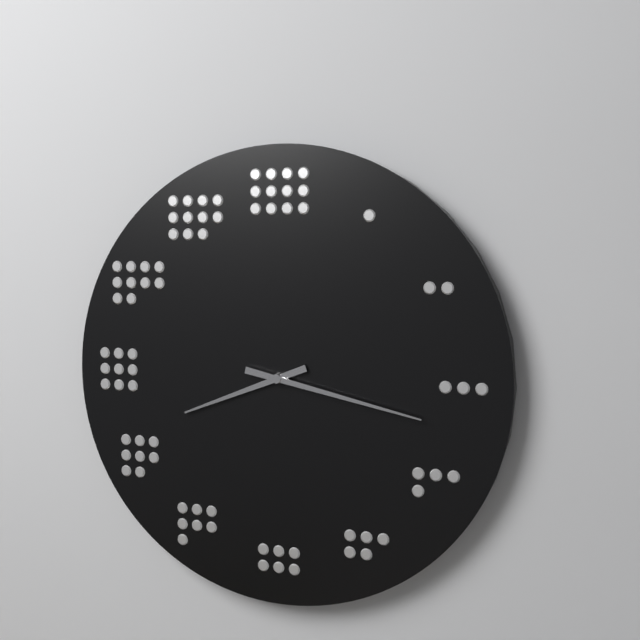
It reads 8 h 17 min
